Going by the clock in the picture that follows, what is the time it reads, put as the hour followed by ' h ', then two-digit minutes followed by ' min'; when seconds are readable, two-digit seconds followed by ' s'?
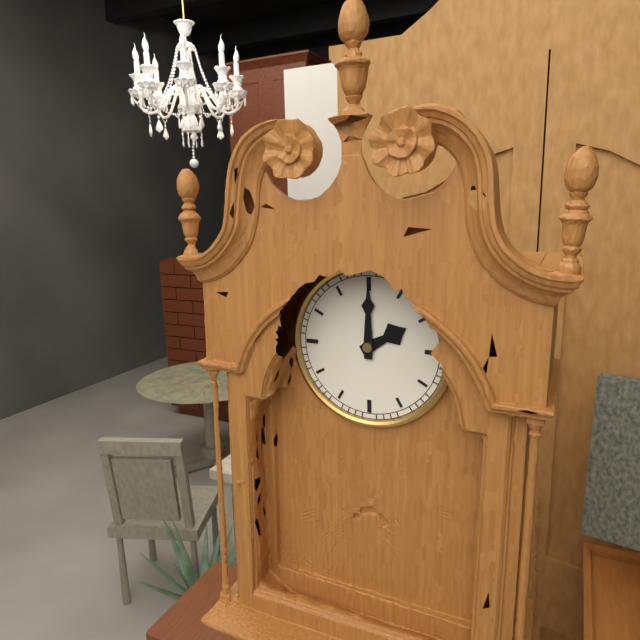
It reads 2 h 00 min
